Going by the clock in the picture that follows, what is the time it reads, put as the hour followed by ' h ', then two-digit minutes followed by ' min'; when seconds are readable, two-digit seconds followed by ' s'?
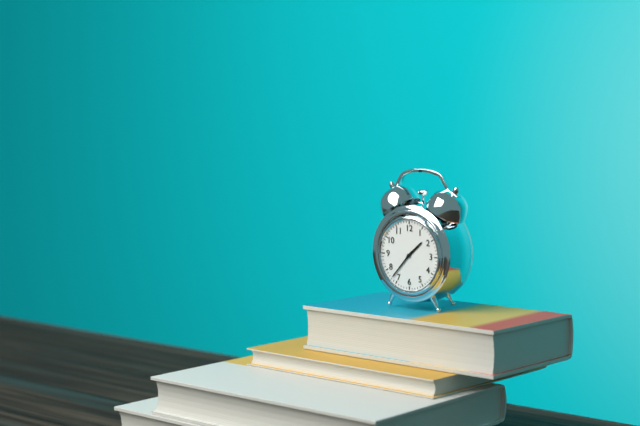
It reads 1 h 37 min
